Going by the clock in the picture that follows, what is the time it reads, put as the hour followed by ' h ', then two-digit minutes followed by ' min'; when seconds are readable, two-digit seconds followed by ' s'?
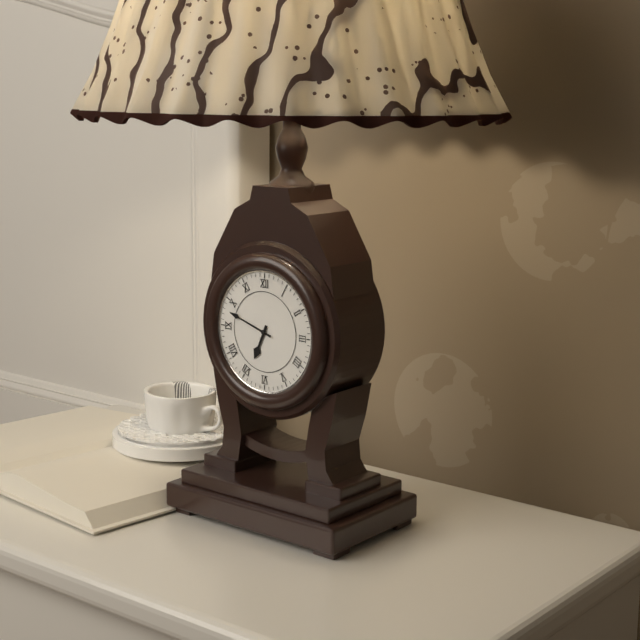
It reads 6 h 48 min
